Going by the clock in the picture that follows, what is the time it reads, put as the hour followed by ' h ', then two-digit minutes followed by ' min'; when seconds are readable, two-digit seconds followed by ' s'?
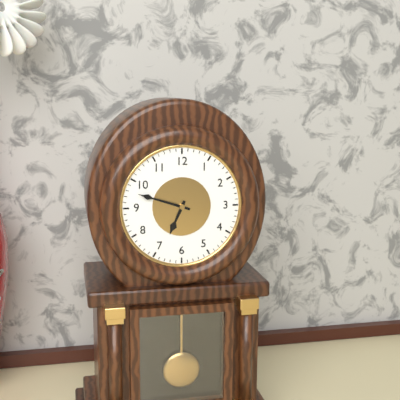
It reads 6 h 48 min
